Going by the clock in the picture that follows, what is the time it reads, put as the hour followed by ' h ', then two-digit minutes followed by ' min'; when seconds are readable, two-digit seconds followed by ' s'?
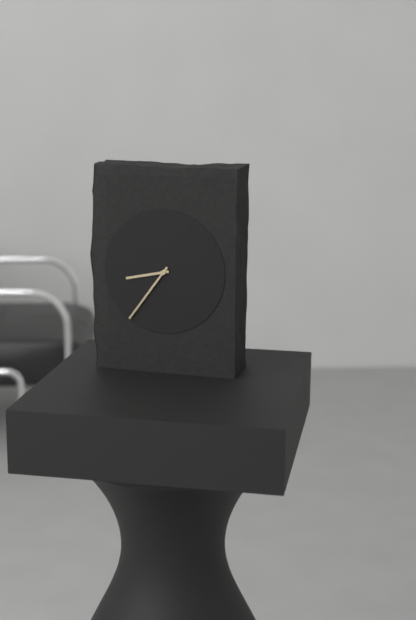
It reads 8 h 36 min
